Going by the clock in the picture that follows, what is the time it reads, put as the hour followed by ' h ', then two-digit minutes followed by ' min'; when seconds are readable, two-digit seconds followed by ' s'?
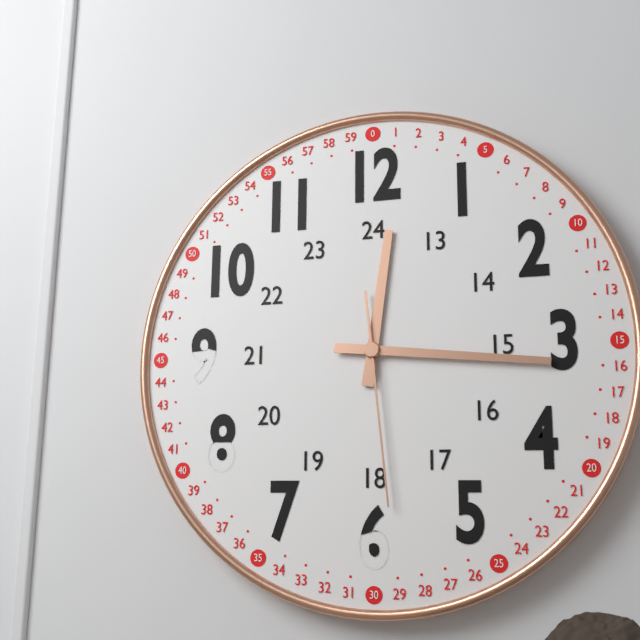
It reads 12 h 16 min 29 s
